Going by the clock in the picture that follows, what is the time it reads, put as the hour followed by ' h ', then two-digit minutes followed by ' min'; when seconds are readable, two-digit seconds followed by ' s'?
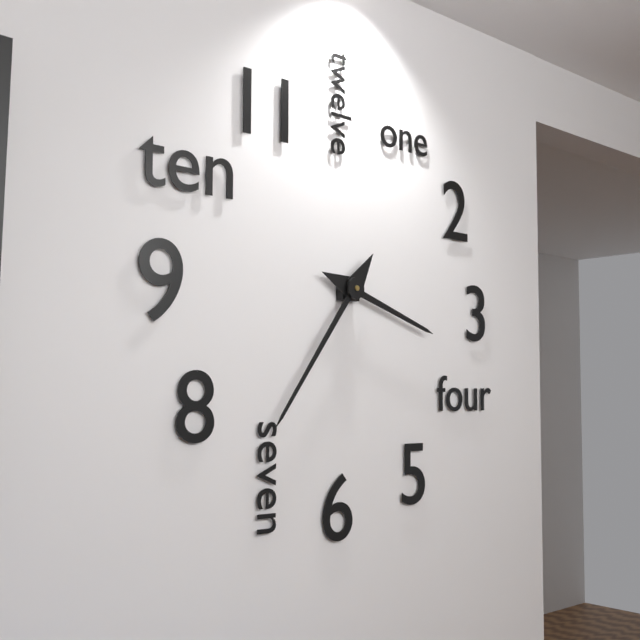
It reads 3 h 36 min
